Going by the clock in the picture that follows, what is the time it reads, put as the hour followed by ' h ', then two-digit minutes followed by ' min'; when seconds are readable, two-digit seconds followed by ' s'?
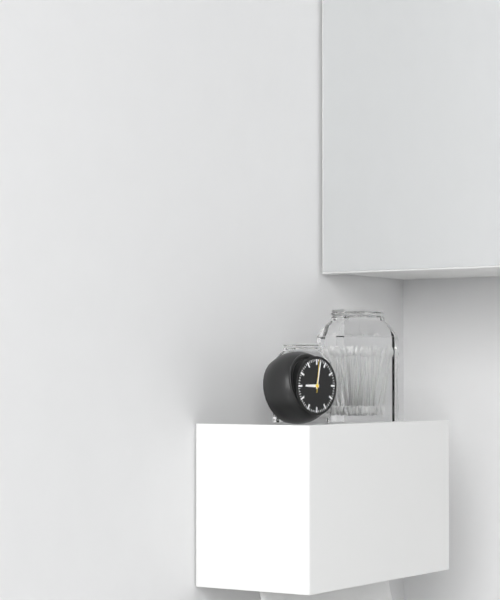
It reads 9 h 02 min
